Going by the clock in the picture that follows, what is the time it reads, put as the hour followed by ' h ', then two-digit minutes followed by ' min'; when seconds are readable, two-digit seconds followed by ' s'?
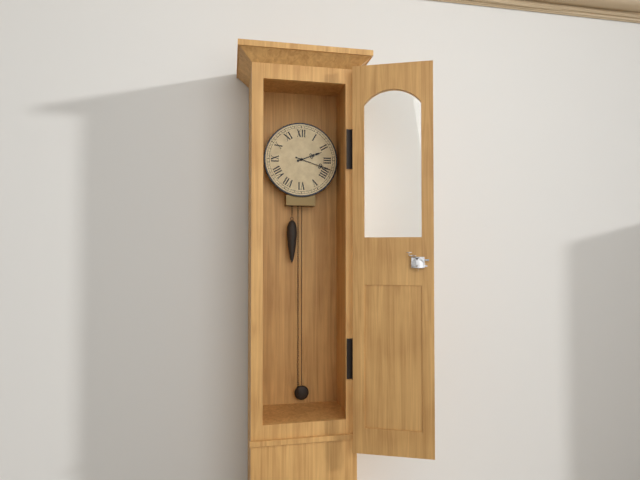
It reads 2 h 18 min
